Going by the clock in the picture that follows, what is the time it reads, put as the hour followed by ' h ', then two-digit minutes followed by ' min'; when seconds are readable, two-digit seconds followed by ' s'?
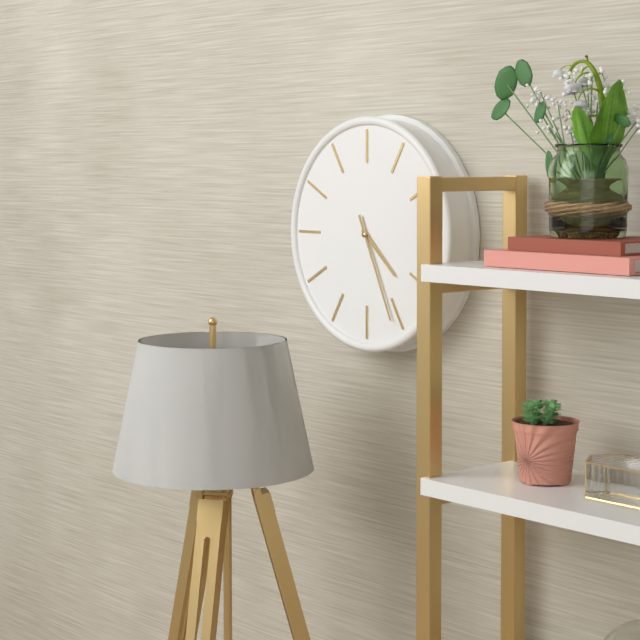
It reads 4 h 26 min
